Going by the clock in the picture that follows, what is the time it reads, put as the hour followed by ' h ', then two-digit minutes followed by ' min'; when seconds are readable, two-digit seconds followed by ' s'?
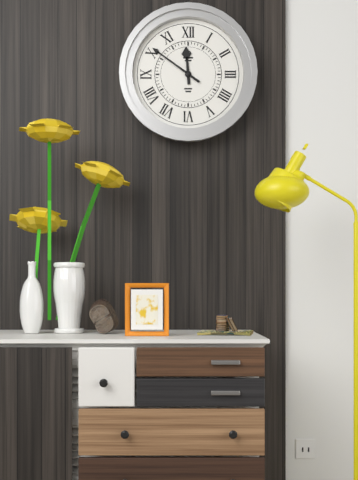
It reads 11 h 51 min
